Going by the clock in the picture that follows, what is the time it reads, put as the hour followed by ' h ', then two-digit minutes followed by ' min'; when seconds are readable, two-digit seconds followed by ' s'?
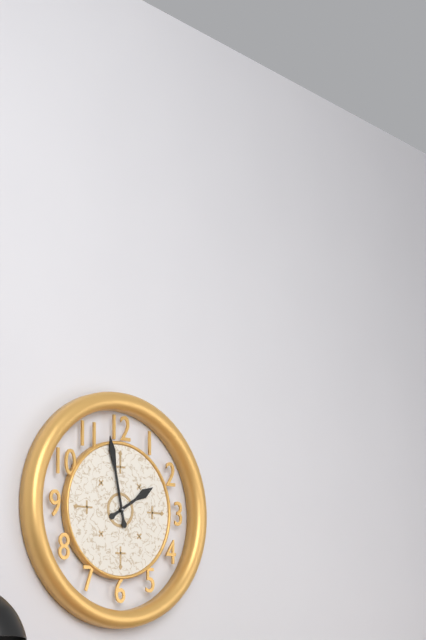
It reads 1 h 58 min
